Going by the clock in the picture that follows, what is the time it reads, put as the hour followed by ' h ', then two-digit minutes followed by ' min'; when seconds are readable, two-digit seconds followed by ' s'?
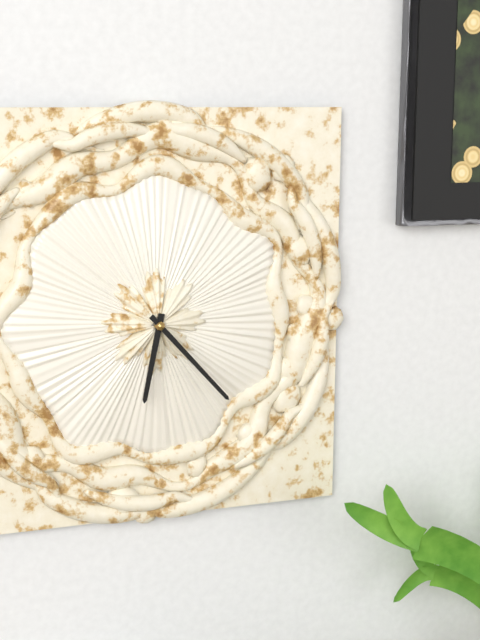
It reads 6 h 23 min
